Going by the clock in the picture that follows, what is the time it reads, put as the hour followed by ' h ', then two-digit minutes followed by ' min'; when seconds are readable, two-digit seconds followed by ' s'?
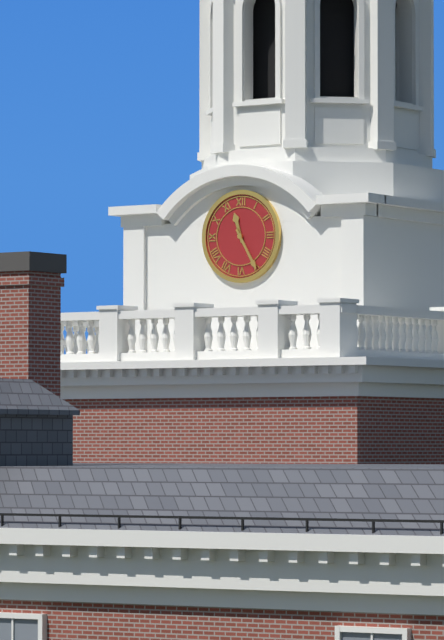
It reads 11 h 25 min
